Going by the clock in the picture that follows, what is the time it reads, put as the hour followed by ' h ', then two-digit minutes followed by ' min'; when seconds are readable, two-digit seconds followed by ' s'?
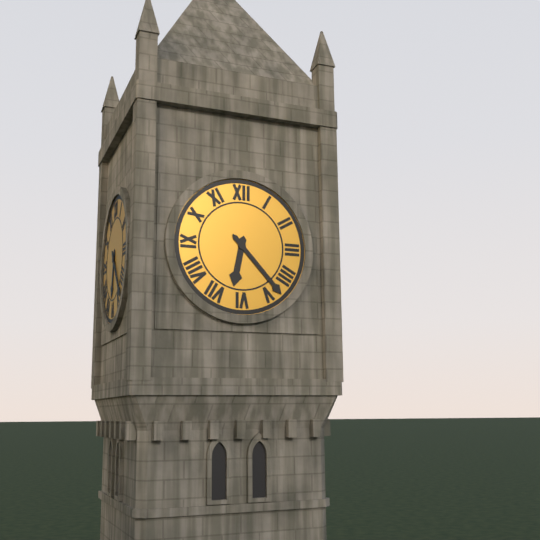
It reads 6 h 23 min
